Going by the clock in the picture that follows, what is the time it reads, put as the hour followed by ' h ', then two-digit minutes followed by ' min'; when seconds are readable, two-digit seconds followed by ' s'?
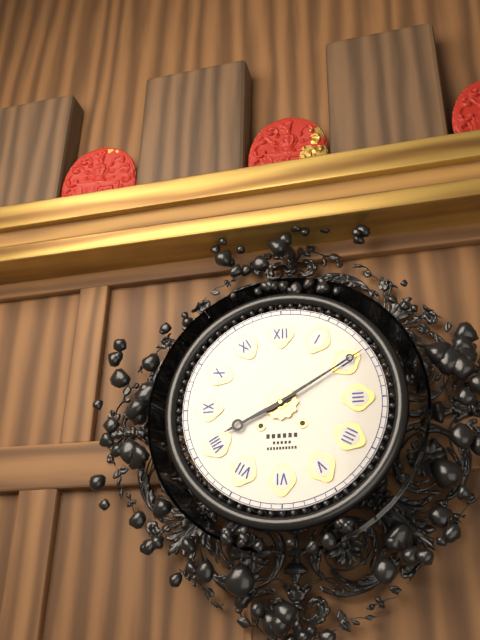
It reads 8 h 10 min
